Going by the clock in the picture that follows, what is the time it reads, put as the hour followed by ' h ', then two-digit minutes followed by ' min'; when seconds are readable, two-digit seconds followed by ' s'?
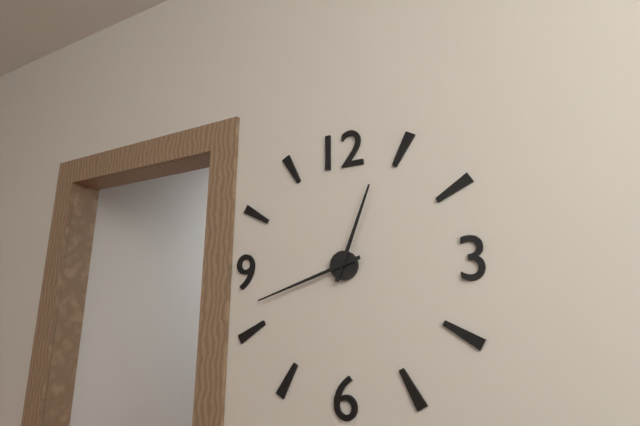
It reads 12 h 42 min
